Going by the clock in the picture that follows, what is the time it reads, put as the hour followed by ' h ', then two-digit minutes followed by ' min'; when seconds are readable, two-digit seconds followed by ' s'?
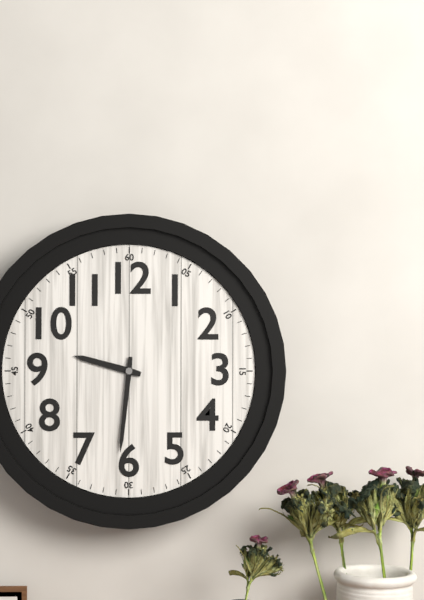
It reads 9 h 31 min
